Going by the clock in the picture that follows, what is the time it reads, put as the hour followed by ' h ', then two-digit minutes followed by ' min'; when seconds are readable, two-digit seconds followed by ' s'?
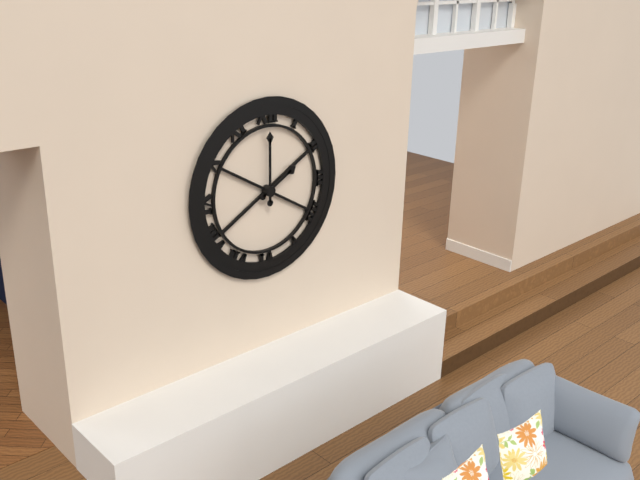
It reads 2 h 00 min
